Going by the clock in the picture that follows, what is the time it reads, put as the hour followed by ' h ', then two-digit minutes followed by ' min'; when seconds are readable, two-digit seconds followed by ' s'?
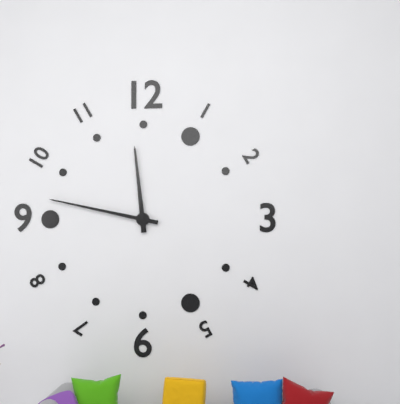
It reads 11 h 47 min
